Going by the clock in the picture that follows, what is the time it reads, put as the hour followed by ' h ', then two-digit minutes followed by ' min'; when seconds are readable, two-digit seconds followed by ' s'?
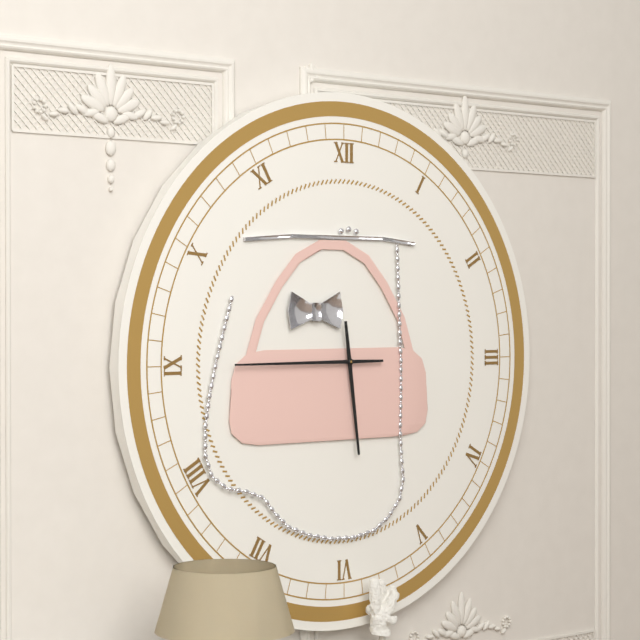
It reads 5 h 45 min
